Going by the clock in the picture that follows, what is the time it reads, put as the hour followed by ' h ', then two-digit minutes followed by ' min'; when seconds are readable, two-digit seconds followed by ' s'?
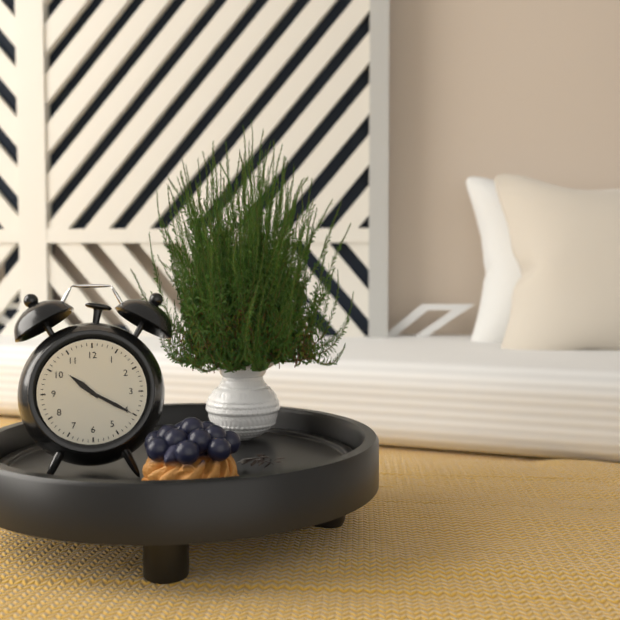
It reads 10 h 20 min
